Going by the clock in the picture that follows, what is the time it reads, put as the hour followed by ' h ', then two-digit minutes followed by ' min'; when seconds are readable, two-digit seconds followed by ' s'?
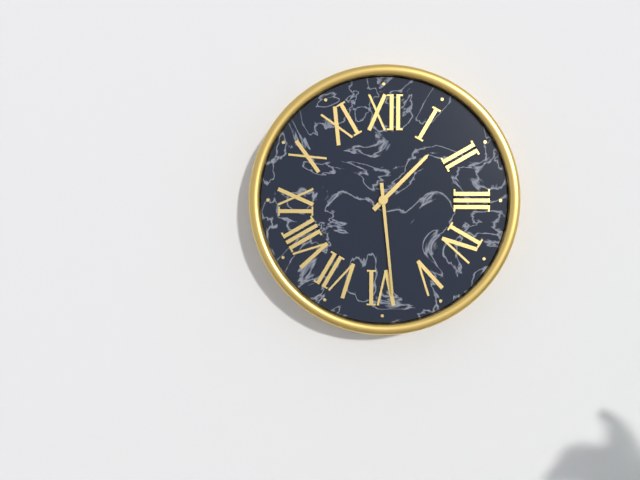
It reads 1 h 29 min
